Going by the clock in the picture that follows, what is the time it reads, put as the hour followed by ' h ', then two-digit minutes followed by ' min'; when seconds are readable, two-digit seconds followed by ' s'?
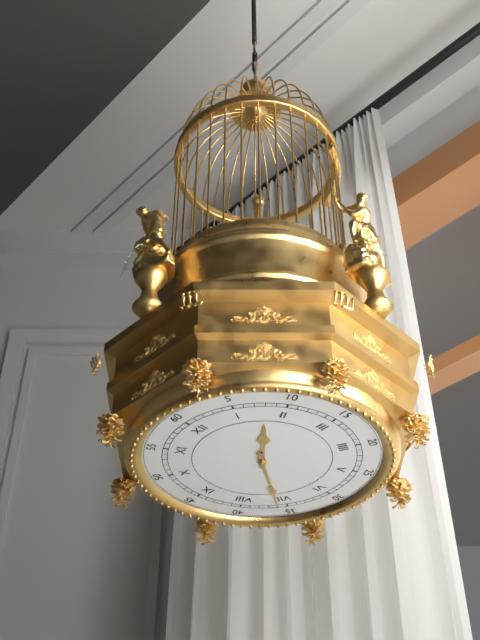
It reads 1 h 36 min
